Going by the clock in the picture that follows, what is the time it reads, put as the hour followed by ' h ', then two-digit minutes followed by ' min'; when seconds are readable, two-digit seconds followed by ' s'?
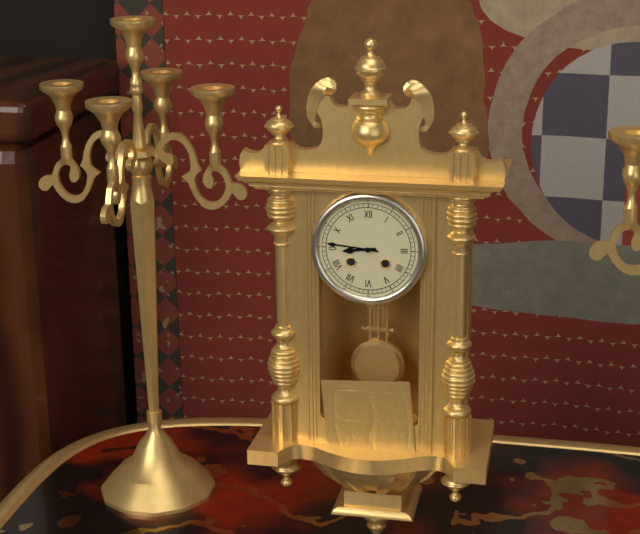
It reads 8 h 46 min
